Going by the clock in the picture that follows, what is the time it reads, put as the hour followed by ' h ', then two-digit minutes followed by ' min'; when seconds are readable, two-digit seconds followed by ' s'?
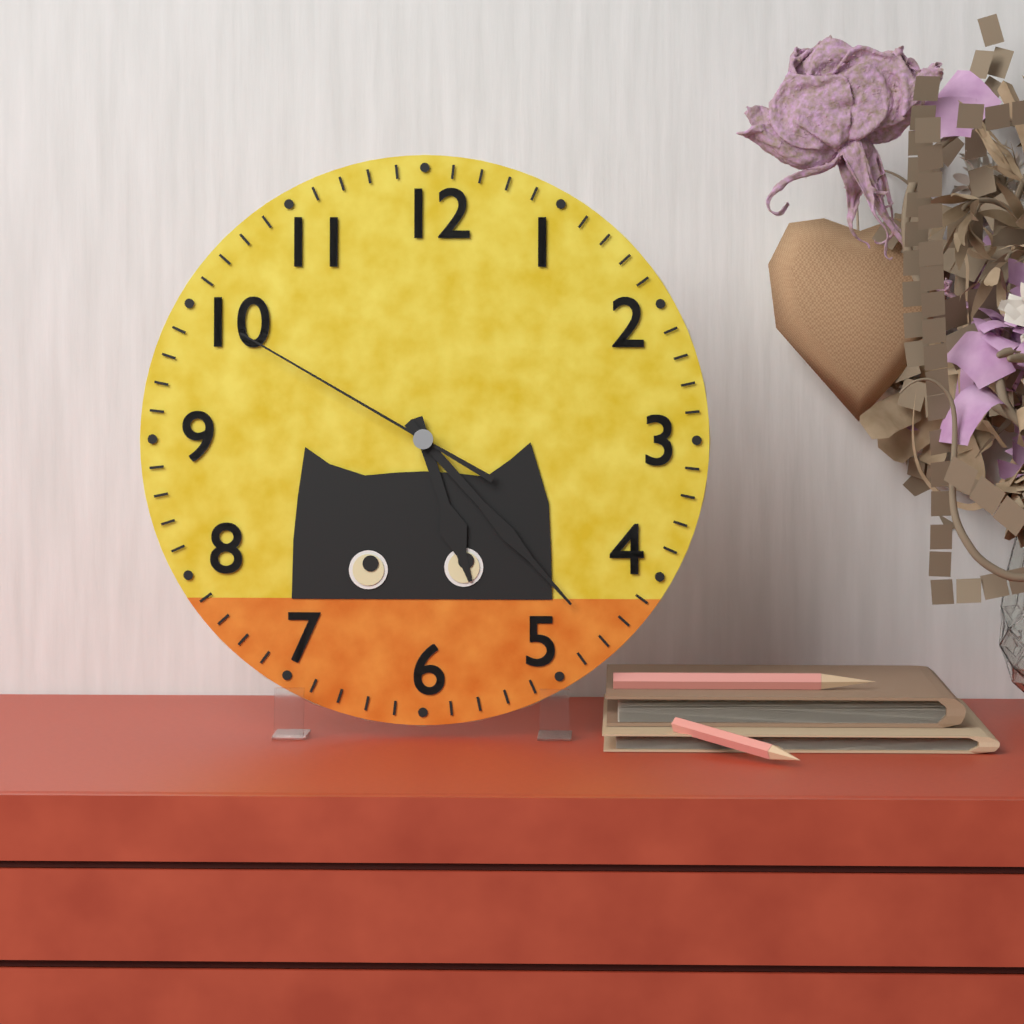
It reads 5 h 23 min 50 s
